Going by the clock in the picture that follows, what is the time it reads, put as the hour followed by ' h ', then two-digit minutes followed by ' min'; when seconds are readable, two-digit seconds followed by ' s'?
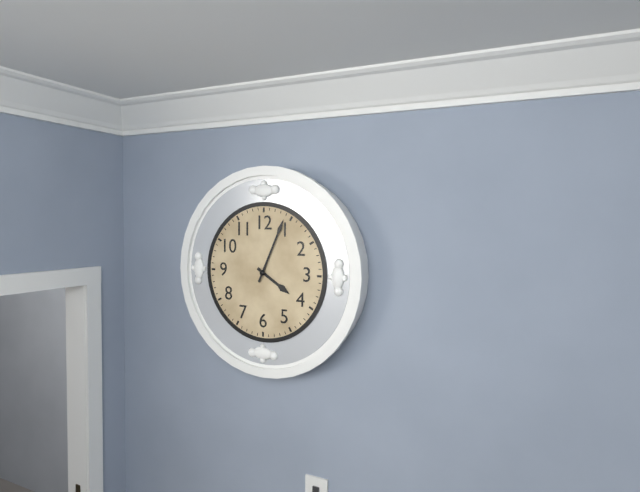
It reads 4 h 04 min
